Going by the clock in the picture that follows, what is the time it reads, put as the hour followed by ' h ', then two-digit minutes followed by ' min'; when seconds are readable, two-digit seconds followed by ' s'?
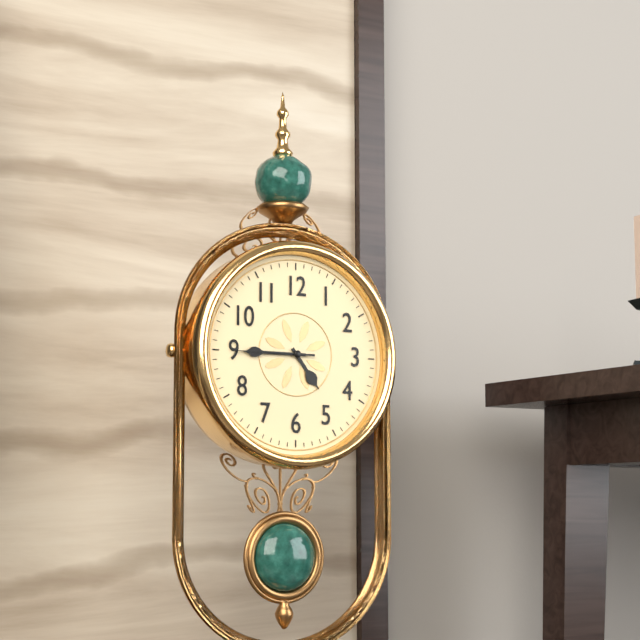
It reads 4 h 45 min 45 s
